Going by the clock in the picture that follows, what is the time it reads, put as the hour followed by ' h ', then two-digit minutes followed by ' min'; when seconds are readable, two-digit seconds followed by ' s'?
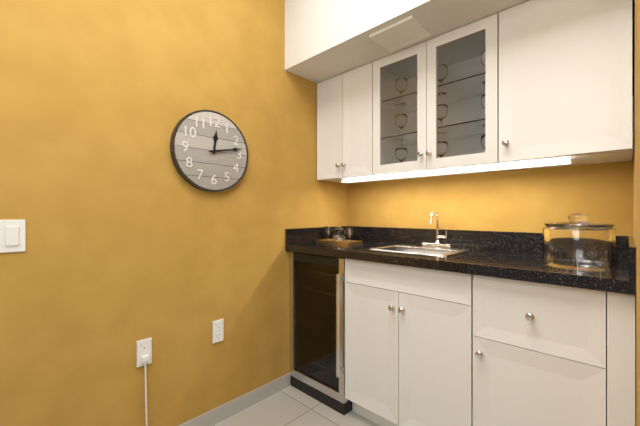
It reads 12 h 13 min
